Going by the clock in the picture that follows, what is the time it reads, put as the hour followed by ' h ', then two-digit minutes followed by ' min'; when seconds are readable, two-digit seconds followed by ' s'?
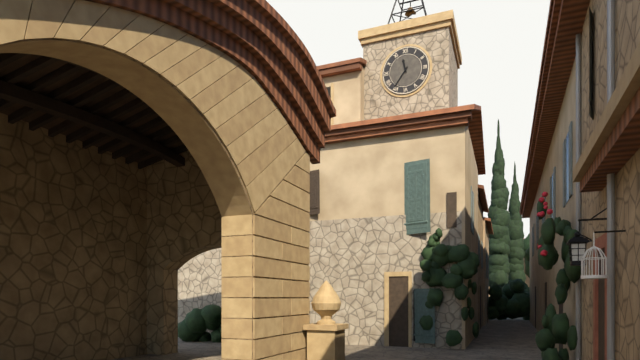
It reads 11 h 36 min
